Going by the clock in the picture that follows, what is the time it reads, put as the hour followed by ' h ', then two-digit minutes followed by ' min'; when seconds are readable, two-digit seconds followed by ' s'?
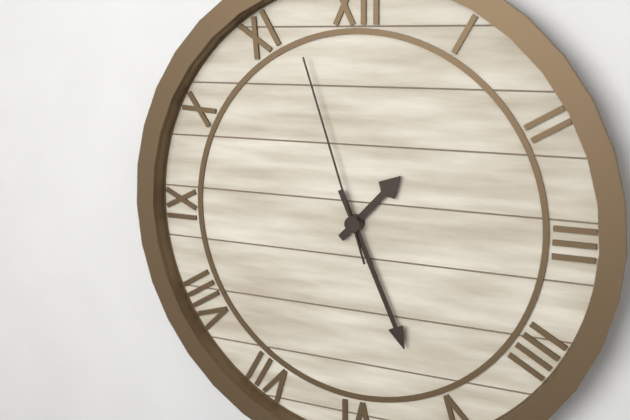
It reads 1 h 26 min 57 s
